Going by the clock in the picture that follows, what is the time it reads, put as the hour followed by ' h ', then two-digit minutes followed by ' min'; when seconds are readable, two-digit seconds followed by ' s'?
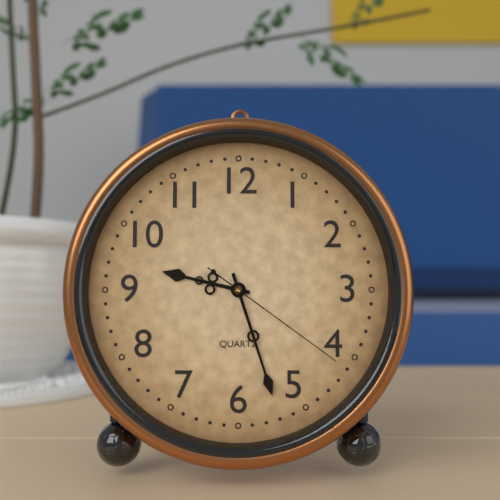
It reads 9 h 27 min 21 s
